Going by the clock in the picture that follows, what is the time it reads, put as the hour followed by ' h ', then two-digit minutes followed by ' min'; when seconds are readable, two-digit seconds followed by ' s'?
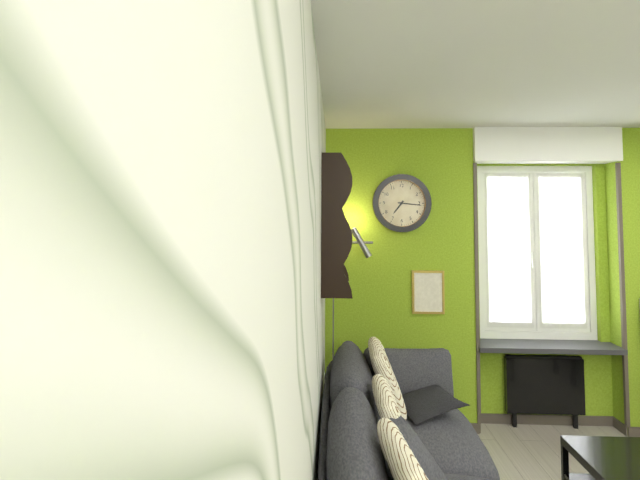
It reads 7 h 16 min
